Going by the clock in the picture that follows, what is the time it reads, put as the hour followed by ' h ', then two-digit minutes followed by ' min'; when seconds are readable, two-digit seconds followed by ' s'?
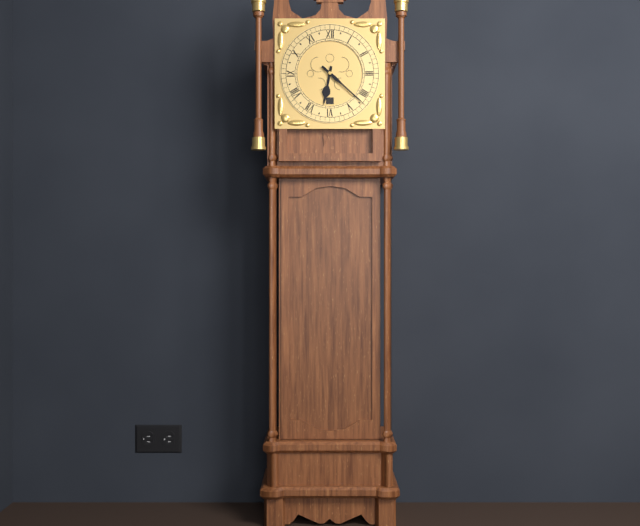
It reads 6 h 22 min
